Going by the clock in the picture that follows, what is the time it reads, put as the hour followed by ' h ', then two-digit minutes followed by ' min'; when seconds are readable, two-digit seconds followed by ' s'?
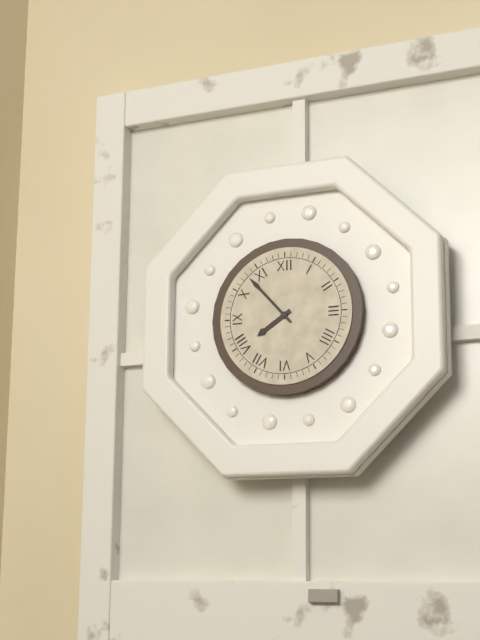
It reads 7 h 53 min
